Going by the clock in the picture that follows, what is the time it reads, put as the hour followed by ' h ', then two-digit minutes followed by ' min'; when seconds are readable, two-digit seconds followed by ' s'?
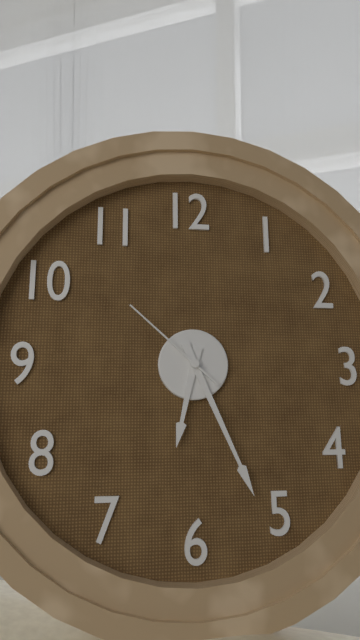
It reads 6 h 26 min 52 s
